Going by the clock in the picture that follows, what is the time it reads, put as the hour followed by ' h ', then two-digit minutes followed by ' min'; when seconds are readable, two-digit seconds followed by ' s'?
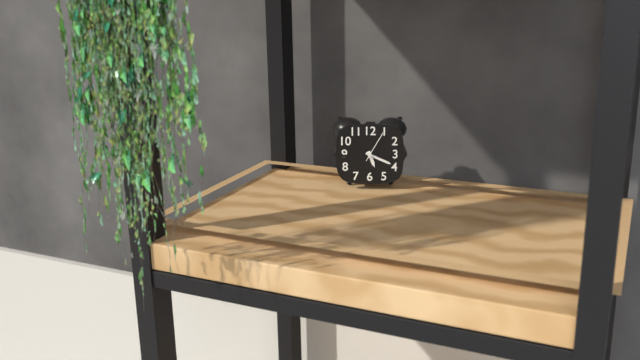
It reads 5 h 19 min
